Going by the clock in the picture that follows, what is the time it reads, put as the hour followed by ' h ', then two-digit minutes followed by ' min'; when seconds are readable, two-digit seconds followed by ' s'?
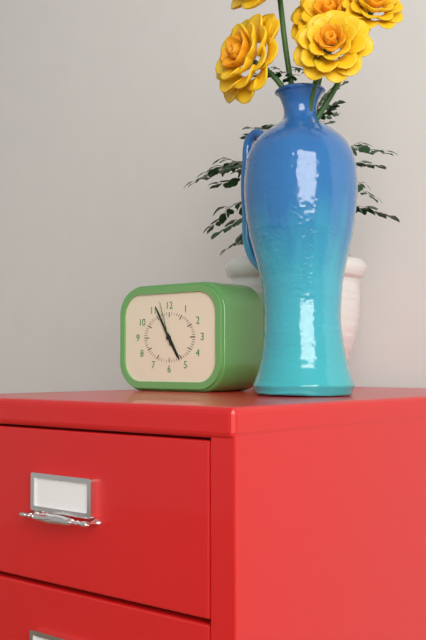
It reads 4 h 55 min 57 s
